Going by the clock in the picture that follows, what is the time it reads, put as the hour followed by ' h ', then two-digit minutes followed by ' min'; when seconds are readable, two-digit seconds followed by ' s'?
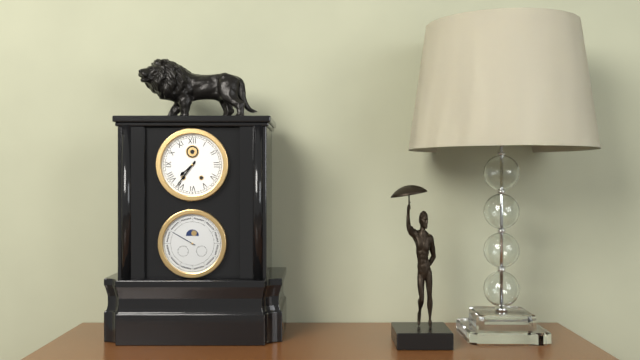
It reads 7 h 36 min
